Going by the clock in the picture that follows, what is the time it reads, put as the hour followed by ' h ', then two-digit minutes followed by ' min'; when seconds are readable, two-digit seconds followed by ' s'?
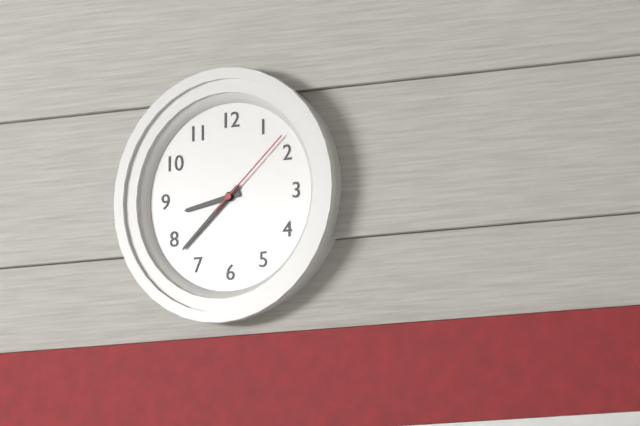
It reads 8 h 38 min 08 s
